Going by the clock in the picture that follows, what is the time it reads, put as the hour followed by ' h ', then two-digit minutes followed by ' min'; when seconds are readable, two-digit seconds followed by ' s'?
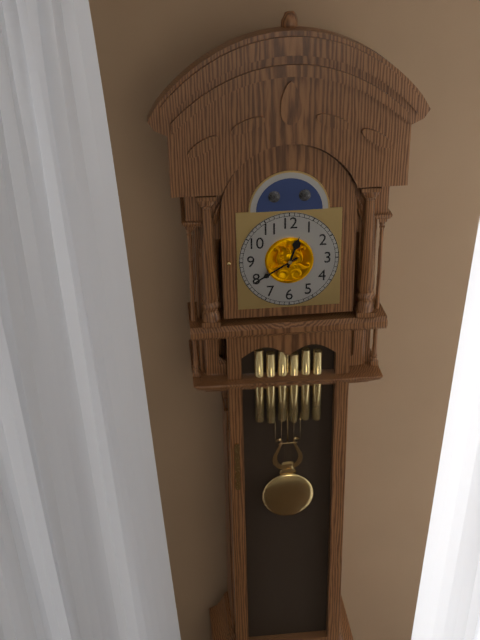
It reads 12 h 40 min
